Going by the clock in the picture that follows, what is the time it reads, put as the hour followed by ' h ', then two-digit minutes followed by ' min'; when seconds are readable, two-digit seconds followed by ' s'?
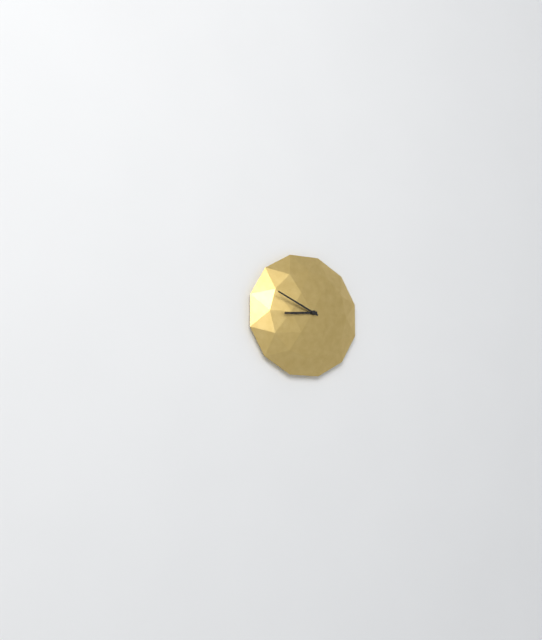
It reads 8 h 49 min
